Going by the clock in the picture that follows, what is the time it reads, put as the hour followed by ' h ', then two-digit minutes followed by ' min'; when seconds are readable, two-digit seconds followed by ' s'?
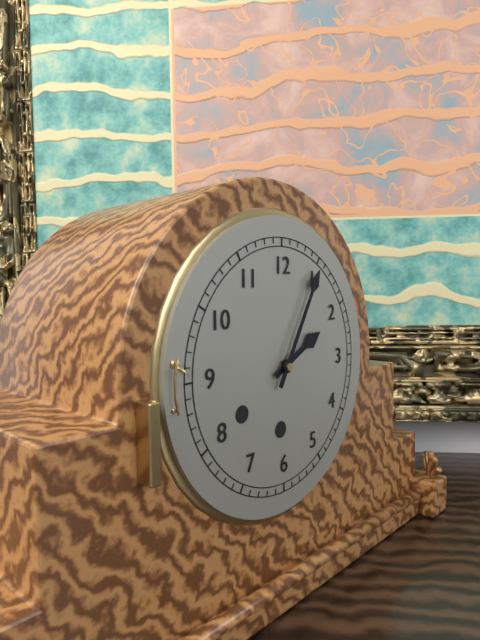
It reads 2 h 05 min
